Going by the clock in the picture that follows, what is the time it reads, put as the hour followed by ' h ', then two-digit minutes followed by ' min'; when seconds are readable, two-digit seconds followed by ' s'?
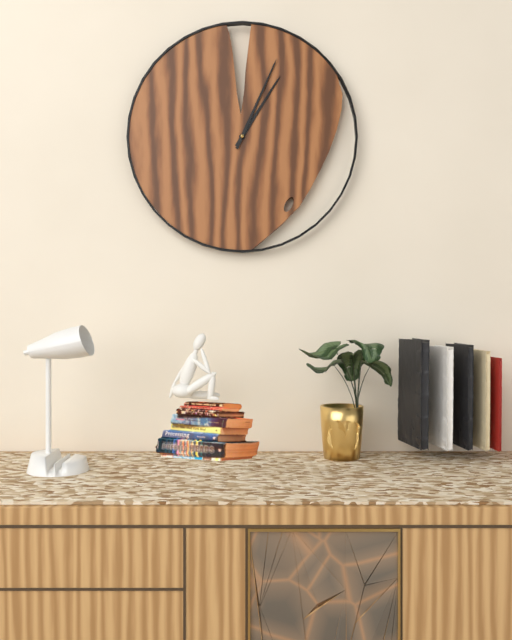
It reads 1 h 04 min
